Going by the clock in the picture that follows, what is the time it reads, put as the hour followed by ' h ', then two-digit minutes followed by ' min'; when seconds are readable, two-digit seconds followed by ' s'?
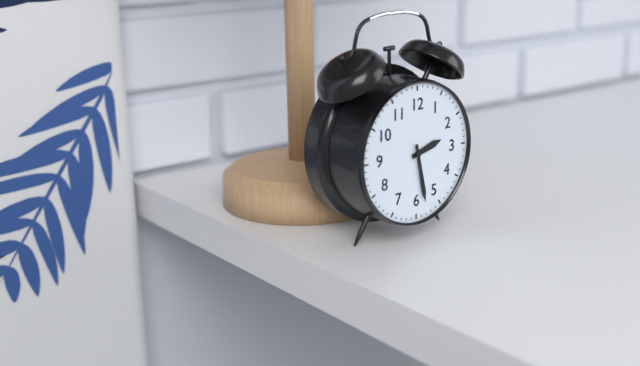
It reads 2 h 28 min
